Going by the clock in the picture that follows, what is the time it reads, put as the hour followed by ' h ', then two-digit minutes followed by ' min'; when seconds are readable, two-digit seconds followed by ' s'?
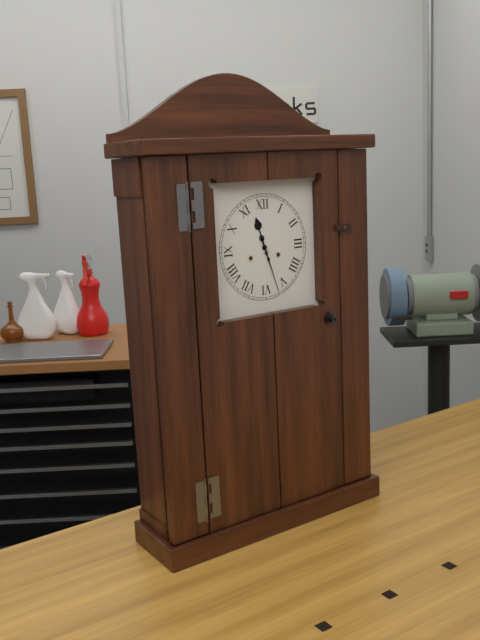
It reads 11 h 27 min
